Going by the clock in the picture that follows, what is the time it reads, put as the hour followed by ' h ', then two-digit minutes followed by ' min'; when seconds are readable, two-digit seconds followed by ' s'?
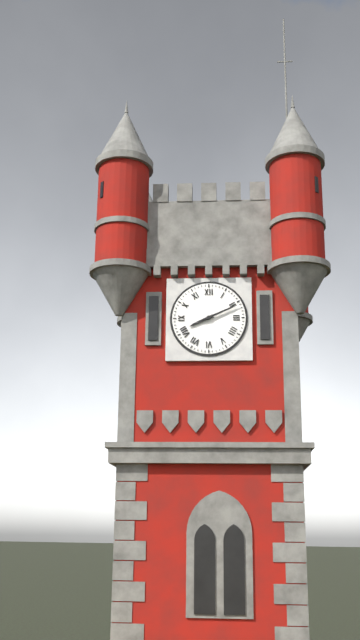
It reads 8 h 11 min
